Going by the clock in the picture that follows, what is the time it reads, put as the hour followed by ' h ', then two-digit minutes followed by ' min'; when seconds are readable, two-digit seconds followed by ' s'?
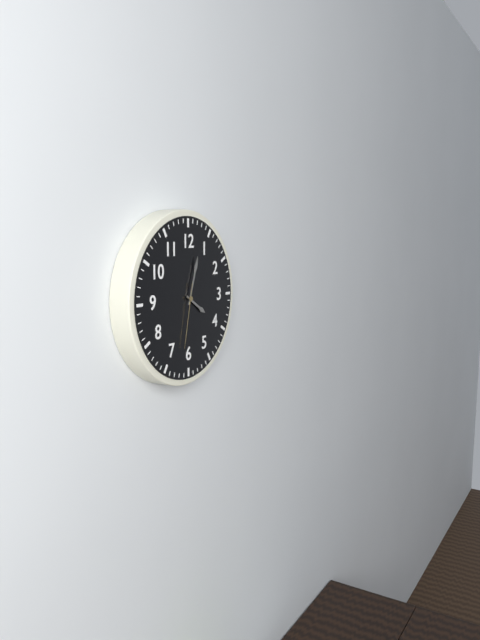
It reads 4 h 03 min 32 s
